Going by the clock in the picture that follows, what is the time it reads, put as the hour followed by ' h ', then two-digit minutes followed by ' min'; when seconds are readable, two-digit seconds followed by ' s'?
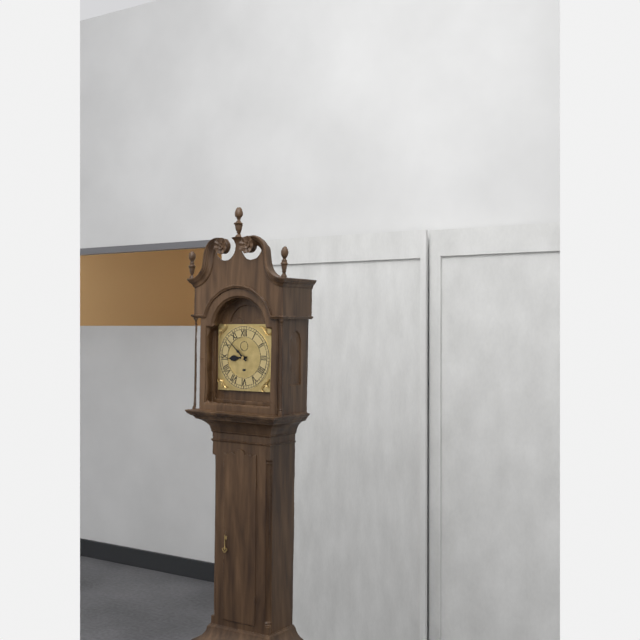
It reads 8 h 52 min
